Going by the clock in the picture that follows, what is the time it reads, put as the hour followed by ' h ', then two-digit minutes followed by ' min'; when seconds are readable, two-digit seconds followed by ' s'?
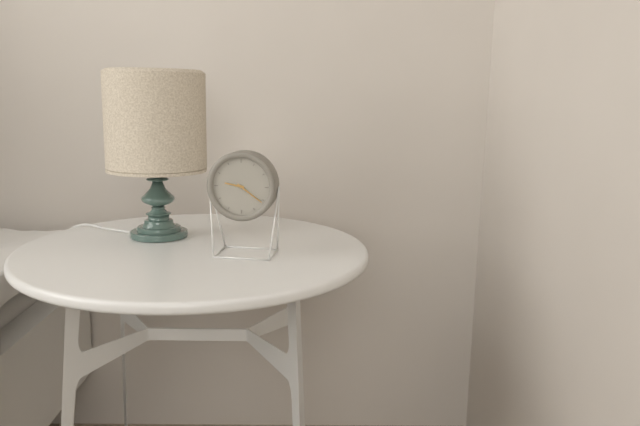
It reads 9 h 21 min
